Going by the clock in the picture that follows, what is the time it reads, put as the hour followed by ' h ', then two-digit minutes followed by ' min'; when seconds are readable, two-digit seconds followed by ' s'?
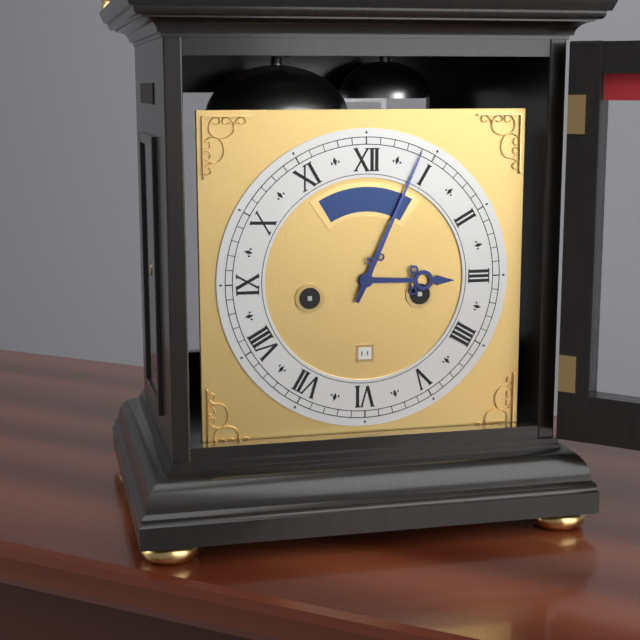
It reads 3 h 04 min
